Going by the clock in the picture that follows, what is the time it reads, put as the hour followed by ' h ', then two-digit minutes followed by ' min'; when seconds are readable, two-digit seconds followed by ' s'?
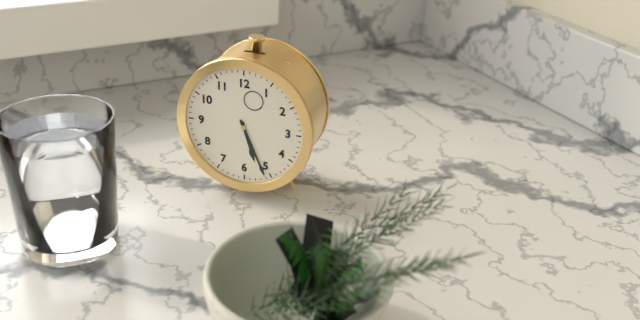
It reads 5 h 26 min
